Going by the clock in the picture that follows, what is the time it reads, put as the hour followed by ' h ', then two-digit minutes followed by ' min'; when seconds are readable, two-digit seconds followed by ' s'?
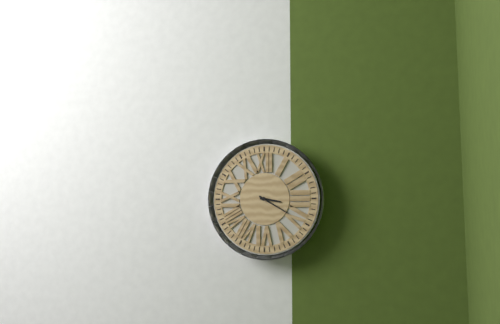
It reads 3 h 20 min
